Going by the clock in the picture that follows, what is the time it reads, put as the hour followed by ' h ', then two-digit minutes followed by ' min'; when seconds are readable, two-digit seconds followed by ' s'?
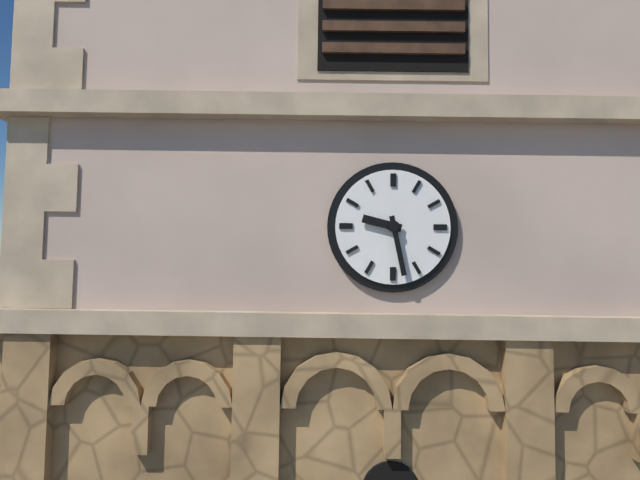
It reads 9 h 28 min
